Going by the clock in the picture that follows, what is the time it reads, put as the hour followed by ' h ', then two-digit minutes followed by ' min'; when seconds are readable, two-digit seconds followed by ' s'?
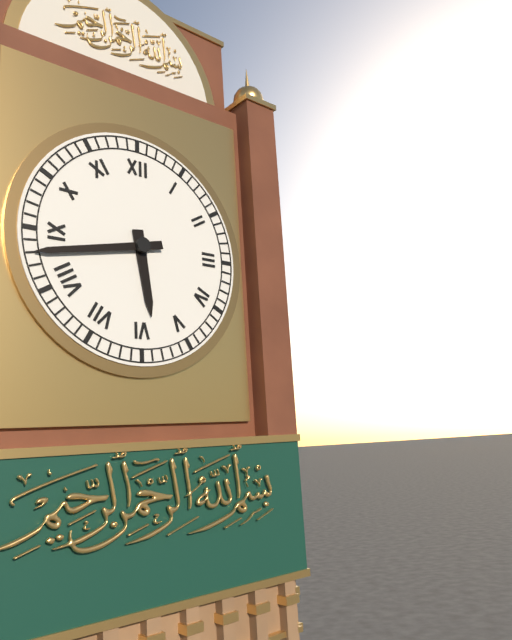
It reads 5 h 43 min
